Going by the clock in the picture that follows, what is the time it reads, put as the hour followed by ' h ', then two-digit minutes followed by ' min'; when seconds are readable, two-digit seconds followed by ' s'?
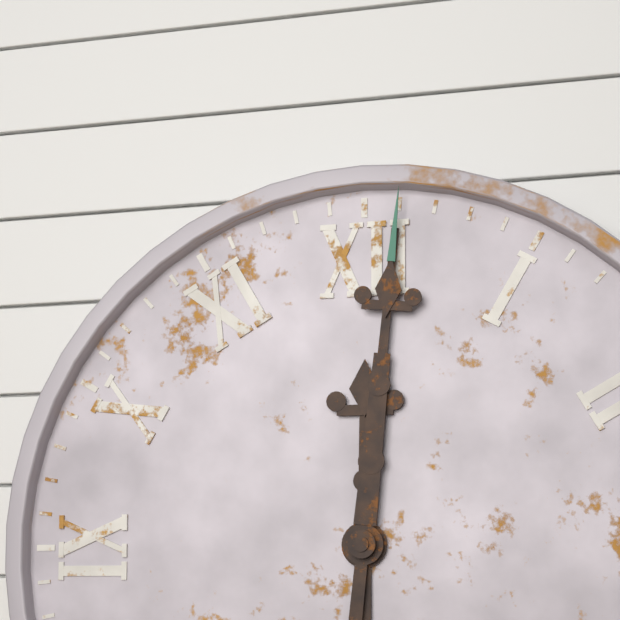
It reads 12 h 01 min
